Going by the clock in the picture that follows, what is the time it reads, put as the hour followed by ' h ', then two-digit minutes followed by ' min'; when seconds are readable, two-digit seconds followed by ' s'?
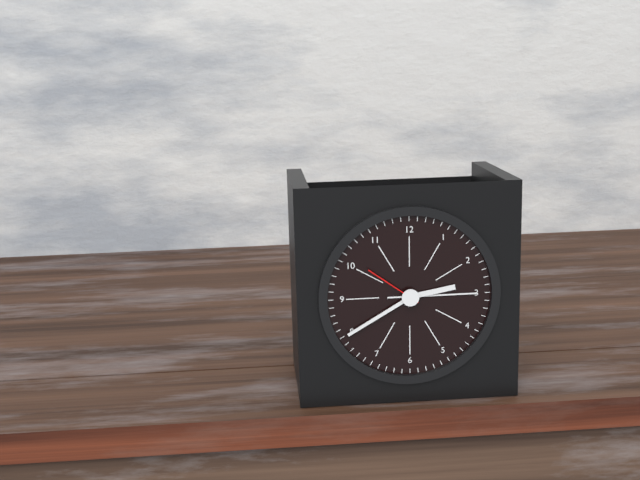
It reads 2 h 40 min 51 s
